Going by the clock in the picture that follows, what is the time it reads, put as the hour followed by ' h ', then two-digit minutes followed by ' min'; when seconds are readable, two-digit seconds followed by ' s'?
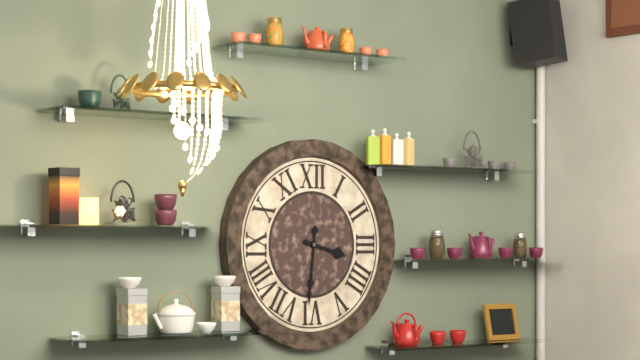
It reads 3 h 31 min
